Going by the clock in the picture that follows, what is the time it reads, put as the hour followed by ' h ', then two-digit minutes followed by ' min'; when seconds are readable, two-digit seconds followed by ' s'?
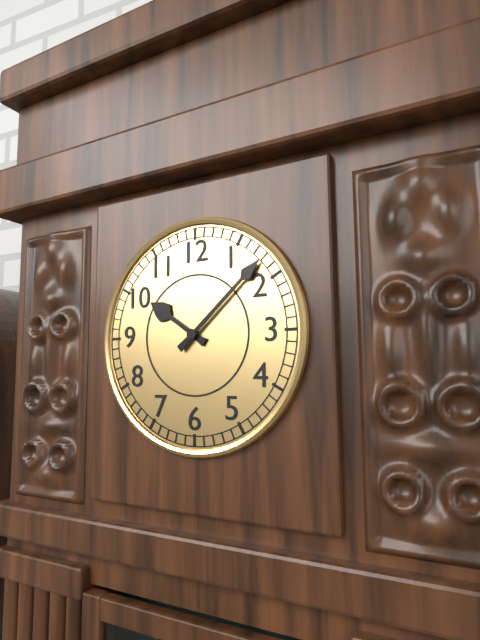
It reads 10 h 08 min
